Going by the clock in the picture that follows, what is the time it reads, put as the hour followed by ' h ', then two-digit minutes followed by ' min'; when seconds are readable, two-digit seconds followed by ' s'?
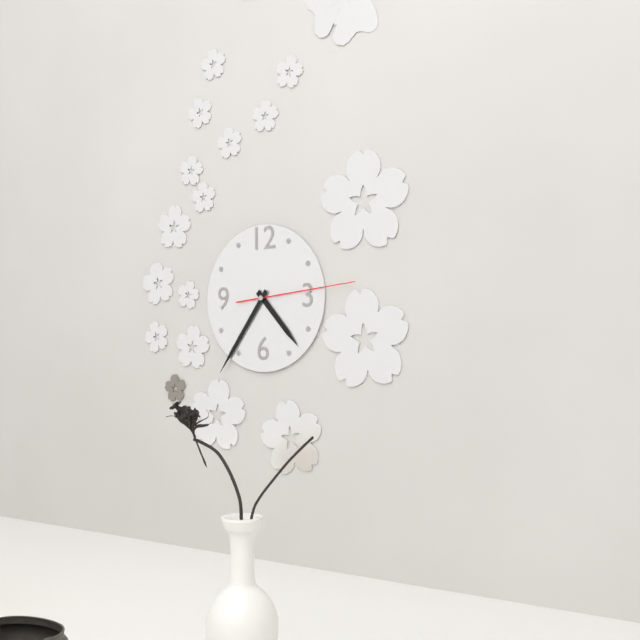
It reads 4 h 36 min 14 s
